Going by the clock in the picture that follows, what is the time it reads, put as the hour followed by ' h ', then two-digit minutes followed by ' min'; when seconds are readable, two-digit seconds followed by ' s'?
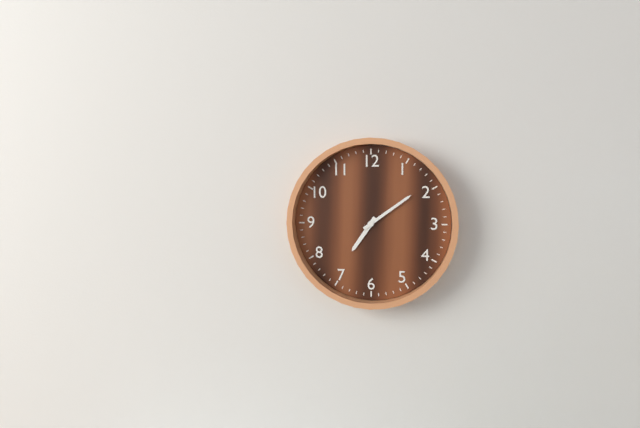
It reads 7 h 09 min
